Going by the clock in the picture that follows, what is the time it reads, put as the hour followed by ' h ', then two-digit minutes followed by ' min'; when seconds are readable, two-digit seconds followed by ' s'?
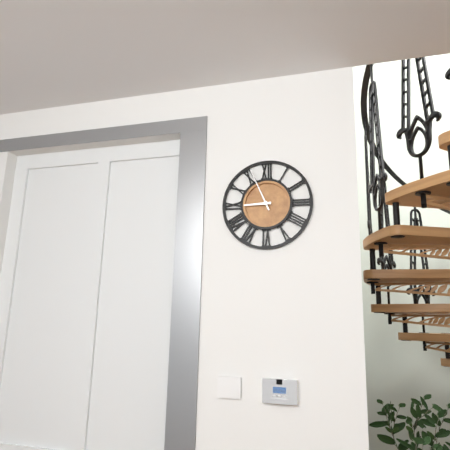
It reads 8 h 56 min
